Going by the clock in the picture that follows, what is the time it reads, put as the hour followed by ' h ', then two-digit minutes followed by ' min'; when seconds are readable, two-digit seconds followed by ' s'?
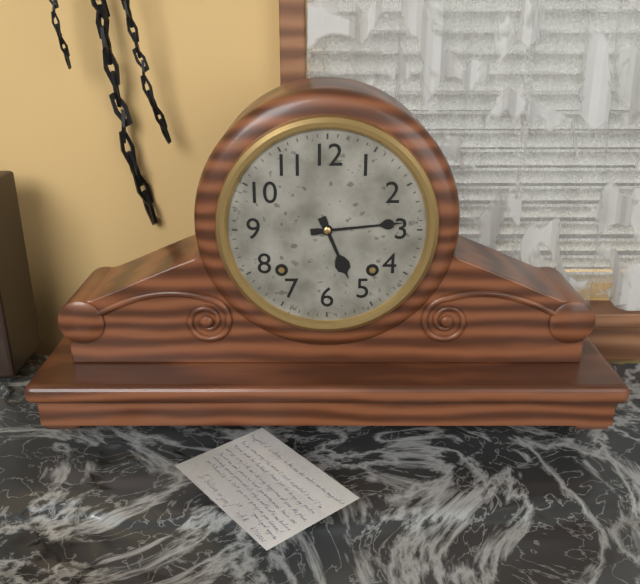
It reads 5 h 14 min
